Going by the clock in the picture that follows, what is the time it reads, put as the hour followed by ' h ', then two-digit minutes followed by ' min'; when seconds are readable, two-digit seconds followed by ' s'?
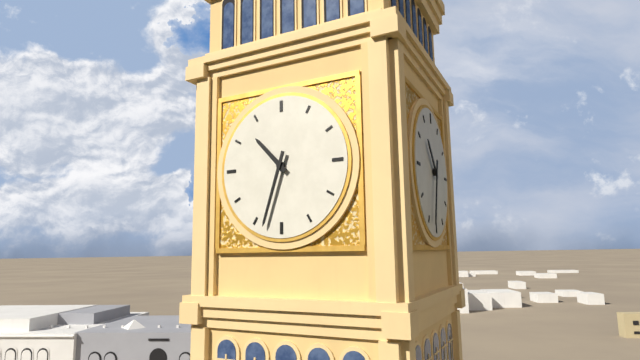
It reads 10 h 33 min
